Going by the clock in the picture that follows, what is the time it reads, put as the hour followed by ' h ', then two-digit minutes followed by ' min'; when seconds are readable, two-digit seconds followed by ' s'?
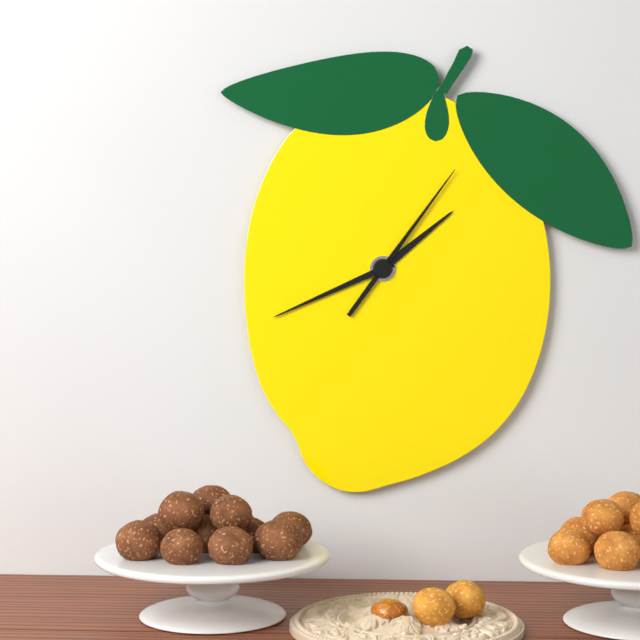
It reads 1 h 41 min 06 s
